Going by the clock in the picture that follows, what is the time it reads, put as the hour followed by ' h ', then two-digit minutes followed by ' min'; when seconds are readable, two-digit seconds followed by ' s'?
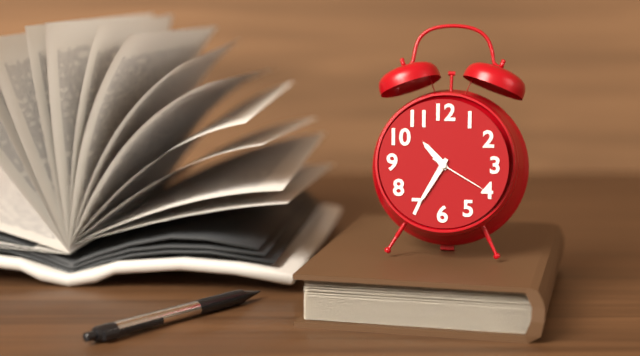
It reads 10 h 35 min 20 s
